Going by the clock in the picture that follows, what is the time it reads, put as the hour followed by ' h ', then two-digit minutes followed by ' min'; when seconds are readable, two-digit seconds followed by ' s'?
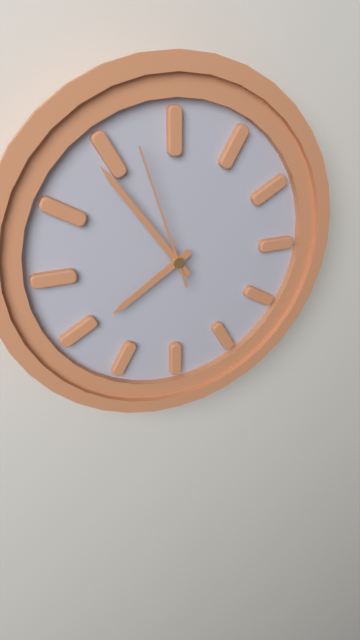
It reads 7 h 54 min 57 s
